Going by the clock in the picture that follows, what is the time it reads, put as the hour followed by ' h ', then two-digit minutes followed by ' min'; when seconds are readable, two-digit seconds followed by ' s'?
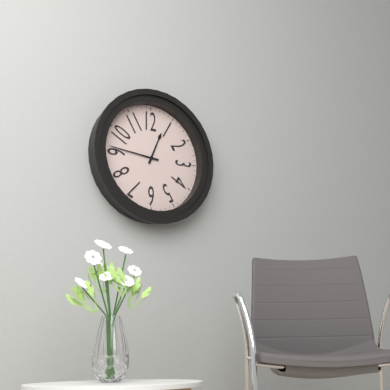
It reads 12 h 46 min
